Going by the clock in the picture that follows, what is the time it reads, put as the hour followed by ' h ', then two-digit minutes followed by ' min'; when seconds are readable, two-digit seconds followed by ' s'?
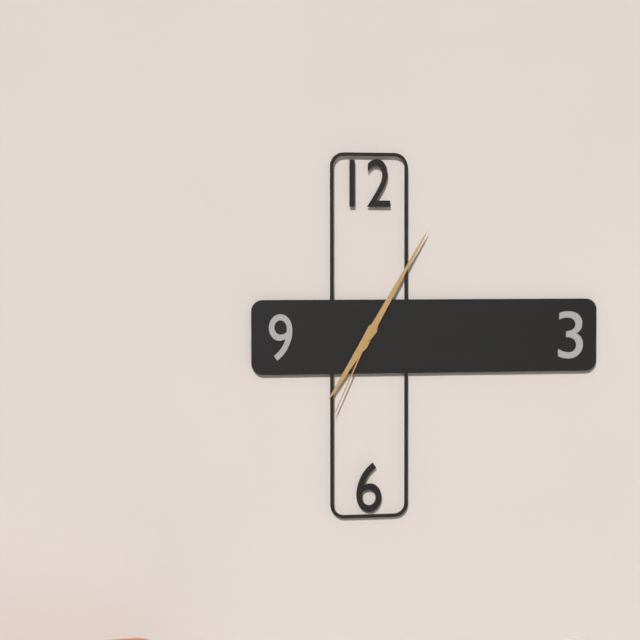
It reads 7 h 05 min 34 s
